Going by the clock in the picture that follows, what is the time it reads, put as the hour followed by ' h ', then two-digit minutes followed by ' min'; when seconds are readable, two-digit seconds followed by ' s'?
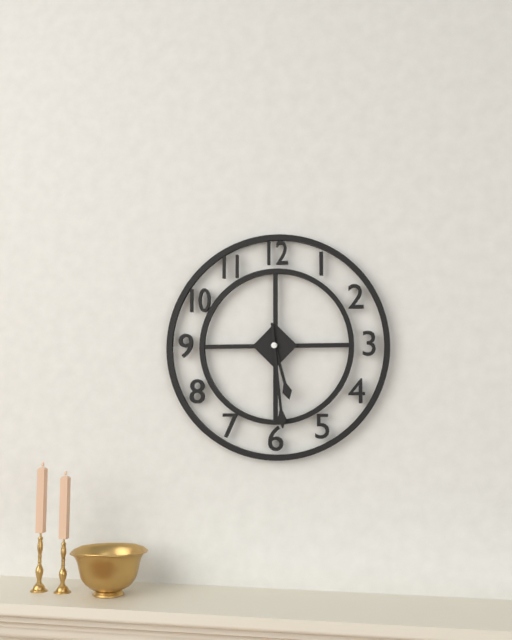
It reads 5 h 29 min
